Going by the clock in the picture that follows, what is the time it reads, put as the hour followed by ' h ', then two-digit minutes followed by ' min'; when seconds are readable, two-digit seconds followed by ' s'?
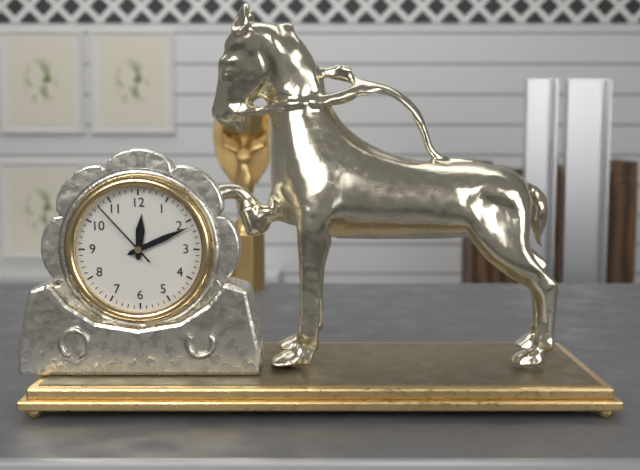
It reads 12 h 11 min 53 s
